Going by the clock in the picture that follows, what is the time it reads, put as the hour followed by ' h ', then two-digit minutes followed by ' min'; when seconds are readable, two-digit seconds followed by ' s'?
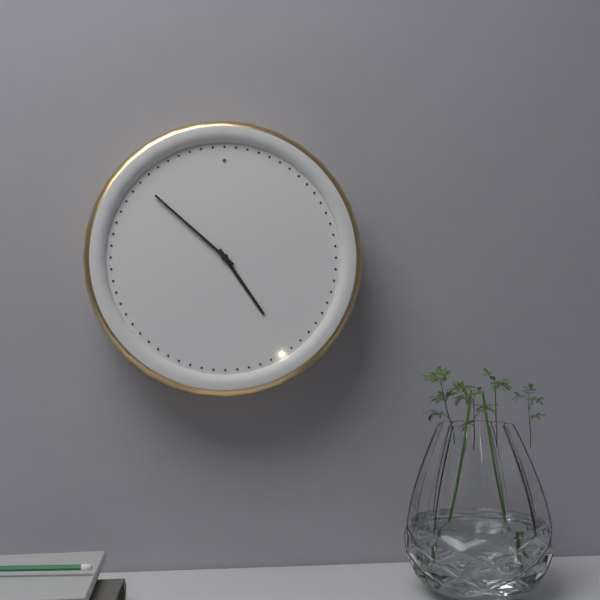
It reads 4 h 52 min
